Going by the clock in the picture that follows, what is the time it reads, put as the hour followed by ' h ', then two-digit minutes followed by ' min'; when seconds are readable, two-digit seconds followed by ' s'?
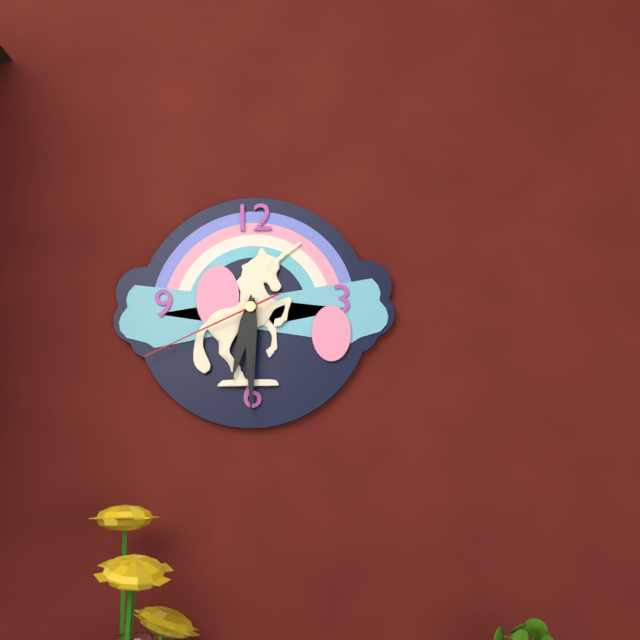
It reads 6 h 30 min 41 s
